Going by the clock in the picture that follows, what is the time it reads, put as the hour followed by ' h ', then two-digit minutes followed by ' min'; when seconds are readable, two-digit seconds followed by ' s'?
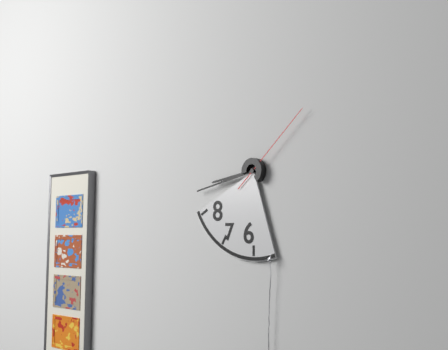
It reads 8 h 43 min 08 s
